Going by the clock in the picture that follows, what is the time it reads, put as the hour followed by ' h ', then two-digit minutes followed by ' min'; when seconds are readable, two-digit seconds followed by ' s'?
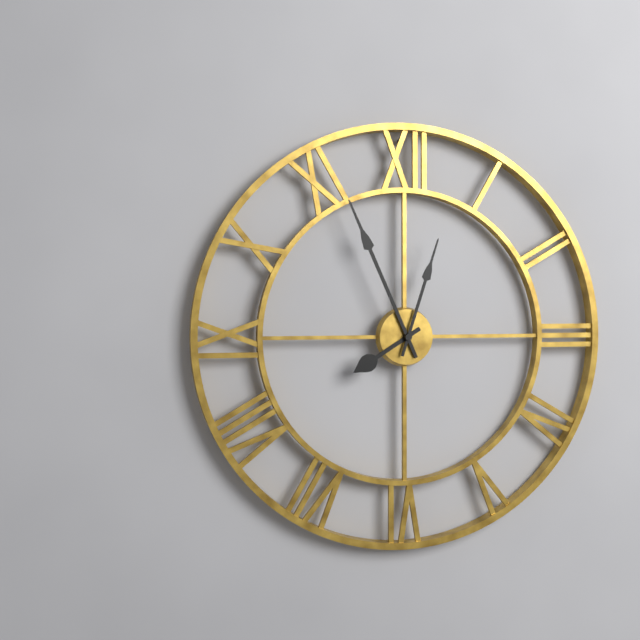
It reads 7 h 56 min 03 s
